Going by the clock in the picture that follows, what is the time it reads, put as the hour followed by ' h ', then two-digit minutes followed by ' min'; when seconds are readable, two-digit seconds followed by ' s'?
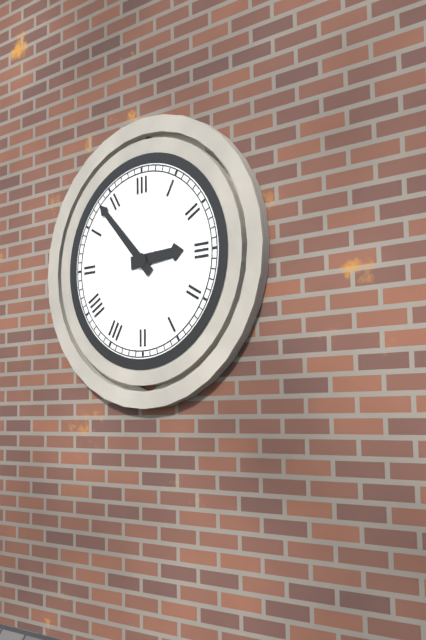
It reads 2 h 53 min
